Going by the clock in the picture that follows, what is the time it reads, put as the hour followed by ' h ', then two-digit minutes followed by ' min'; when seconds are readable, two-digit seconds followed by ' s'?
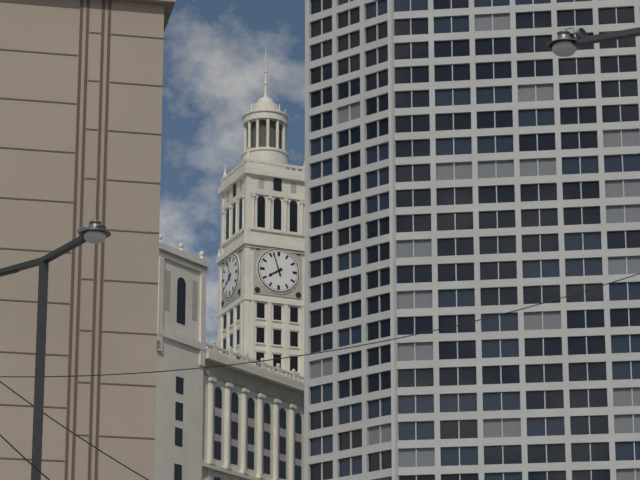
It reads 7 h 57 min
